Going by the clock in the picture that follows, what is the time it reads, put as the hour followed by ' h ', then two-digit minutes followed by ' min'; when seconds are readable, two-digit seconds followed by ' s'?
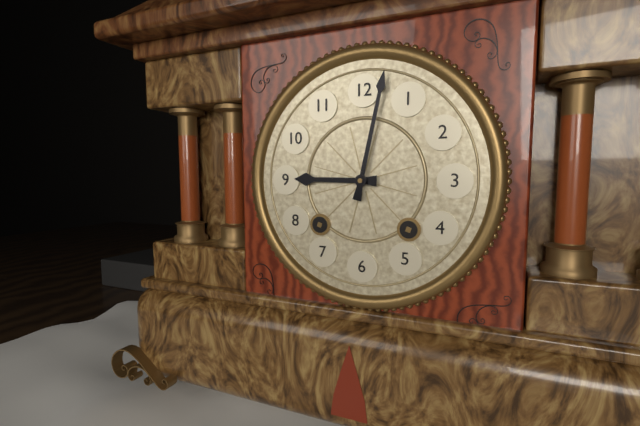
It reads 9 h 02 min
